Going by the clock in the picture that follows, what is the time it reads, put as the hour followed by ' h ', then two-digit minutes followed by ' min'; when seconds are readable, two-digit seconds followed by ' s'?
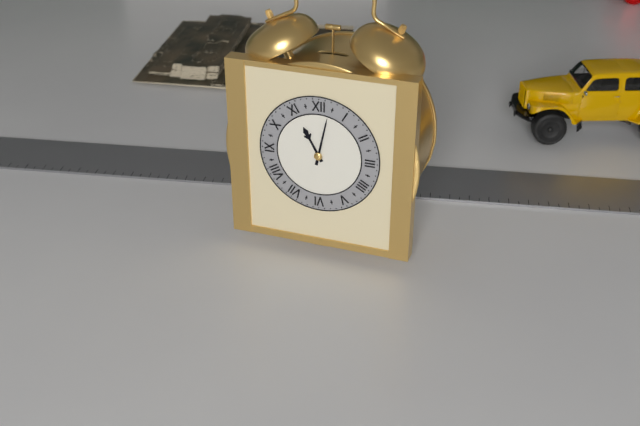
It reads 11 h 02 min
